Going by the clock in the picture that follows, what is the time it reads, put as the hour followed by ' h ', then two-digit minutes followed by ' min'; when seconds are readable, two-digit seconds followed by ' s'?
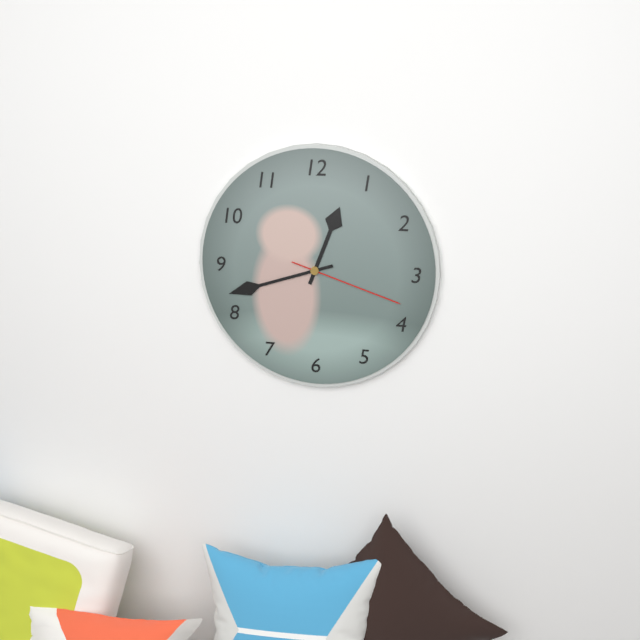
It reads 12 h 42 min 18 s
